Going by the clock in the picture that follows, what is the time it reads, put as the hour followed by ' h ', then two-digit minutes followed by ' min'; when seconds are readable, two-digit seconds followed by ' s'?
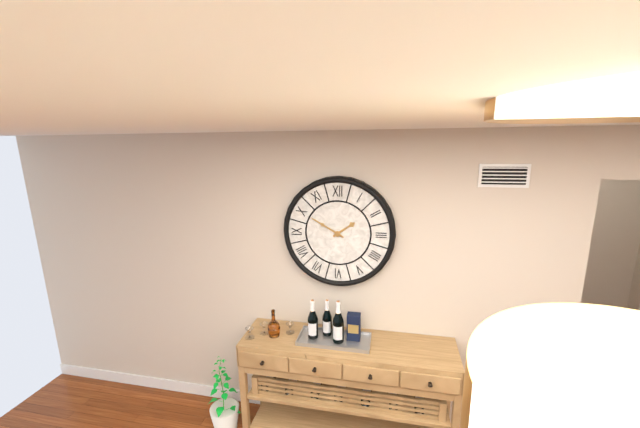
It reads 1 h 50 min
